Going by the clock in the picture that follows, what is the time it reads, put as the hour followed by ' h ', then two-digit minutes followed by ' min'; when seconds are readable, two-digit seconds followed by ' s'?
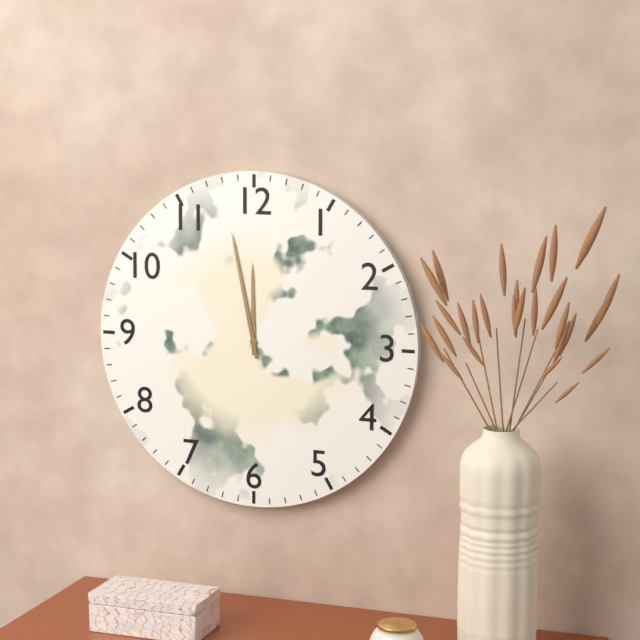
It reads 11 h 58 min
